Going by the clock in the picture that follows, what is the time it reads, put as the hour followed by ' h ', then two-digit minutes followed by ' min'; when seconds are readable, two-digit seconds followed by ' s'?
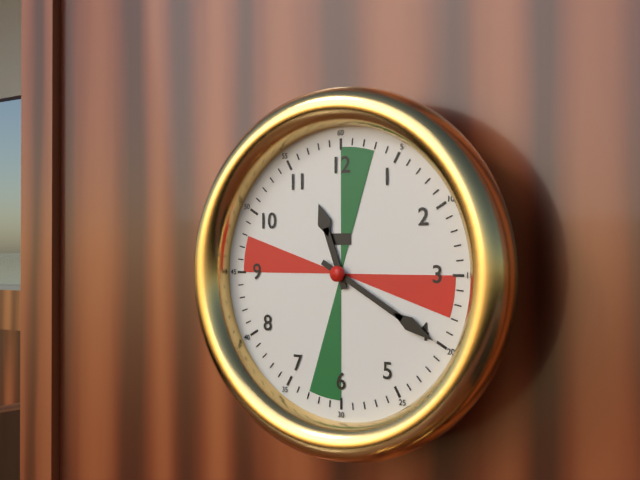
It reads 11 h 20 min
